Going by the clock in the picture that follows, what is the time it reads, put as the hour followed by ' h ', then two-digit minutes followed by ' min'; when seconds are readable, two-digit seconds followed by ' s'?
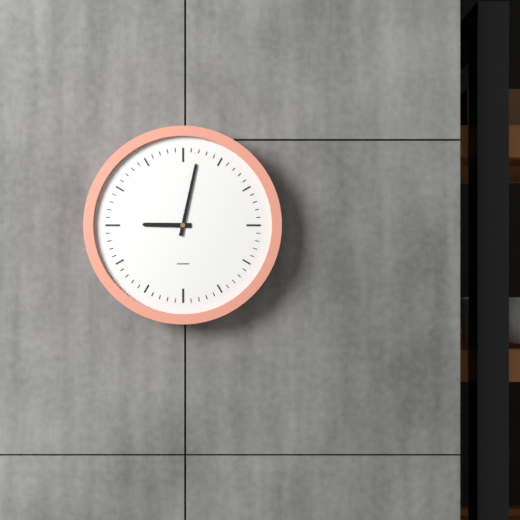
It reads 9 h 02 min
